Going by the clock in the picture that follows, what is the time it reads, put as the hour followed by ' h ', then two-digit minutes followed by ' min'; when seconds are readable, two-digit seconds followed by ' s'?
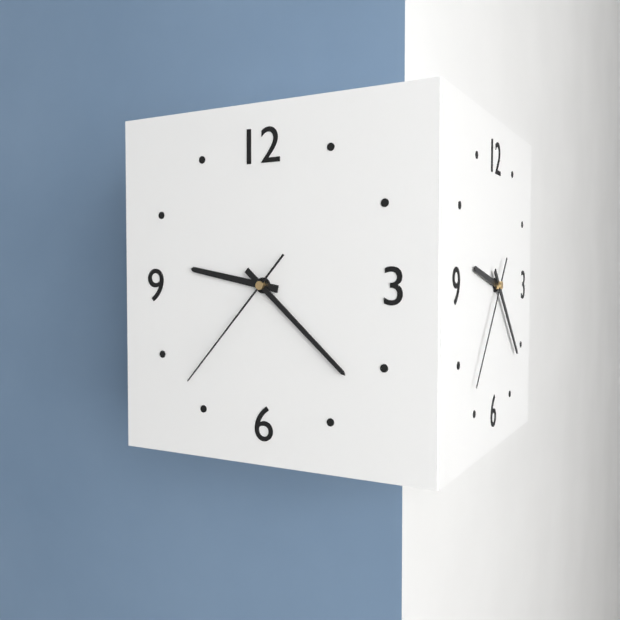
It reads 9 h 22 min 37 s
